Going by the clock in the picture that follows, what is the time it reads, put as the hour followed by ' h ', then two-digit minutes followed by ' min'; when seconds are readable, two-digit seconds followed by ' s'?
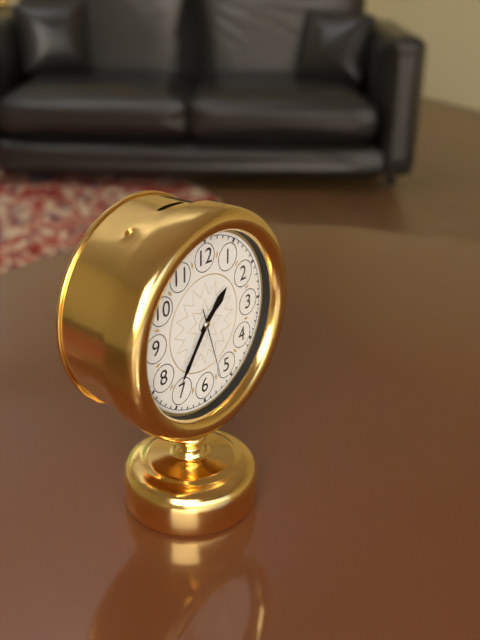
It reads 1 h 36 min 27 s
